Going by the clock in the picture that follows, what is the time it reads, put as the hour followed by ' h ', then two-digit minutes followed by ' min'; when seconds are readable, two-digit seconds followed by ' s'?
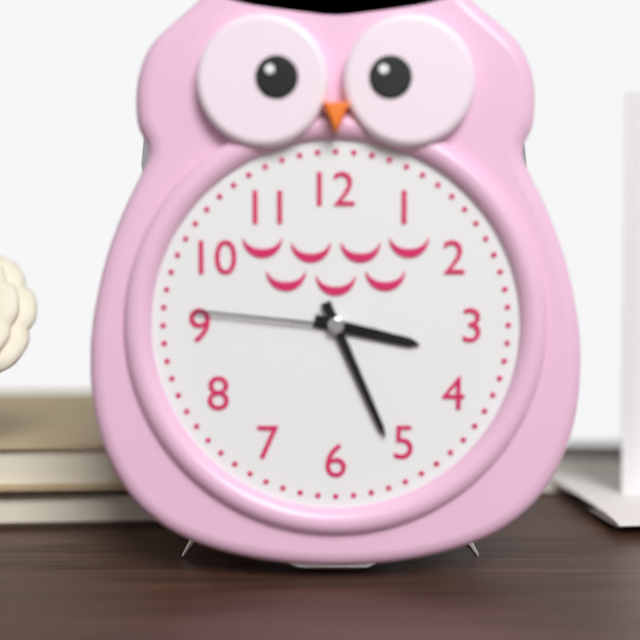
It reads 3 h 26 min 46 s
